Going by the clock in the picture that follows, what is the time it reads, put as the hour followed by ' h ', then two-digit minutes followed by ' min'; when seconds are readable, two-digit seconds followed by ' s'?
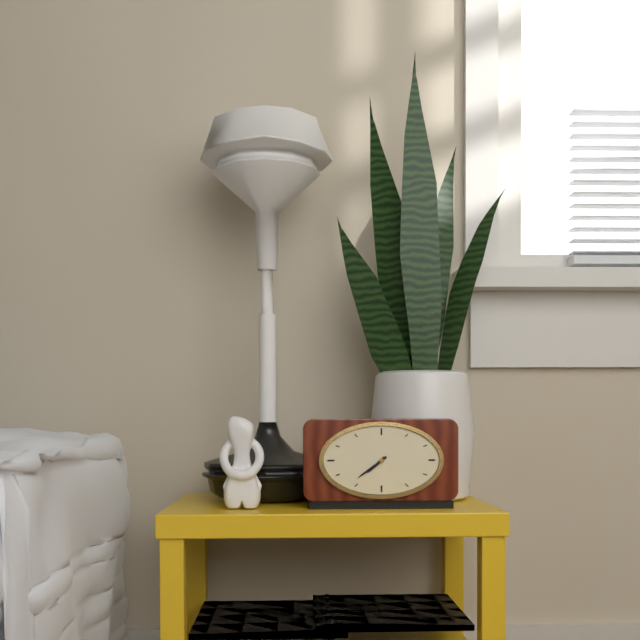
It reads 7 h 39 min
